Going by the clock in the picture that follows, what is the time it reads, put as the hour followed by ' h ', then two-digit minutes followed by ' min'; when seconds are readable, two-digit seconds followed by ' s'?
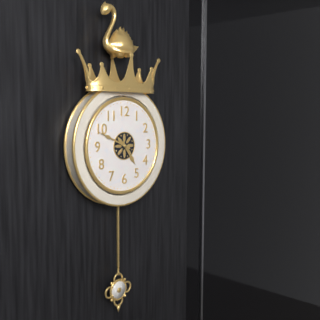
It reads 4 h 49 min
